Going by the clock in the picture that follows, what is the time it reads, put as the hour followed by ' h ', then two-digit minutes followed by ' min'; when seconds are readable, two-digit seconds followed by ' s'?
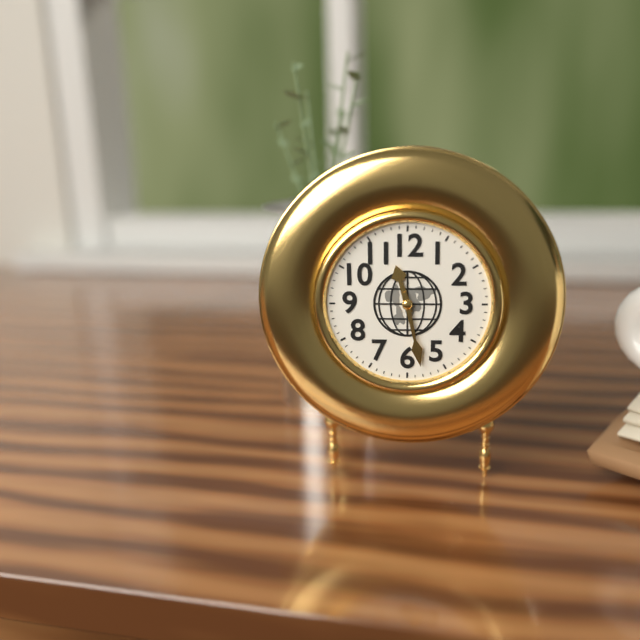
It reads 11 h 28 min
